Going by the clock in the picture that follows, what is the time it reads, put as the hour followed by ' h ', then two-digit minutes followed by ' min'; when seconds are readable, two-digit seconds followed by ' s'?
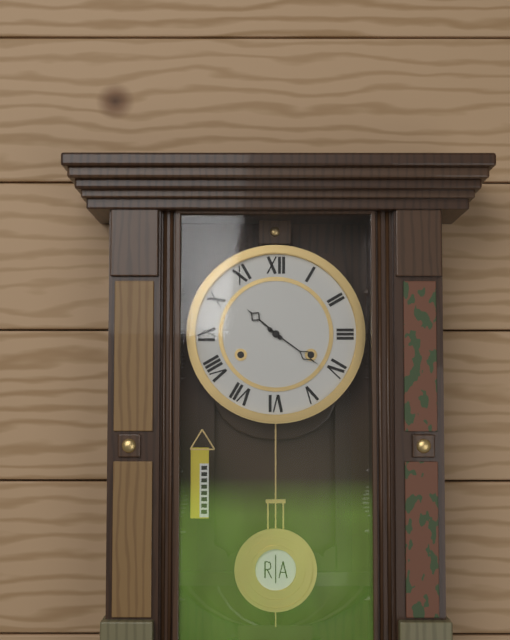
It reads 10 h 21 min
